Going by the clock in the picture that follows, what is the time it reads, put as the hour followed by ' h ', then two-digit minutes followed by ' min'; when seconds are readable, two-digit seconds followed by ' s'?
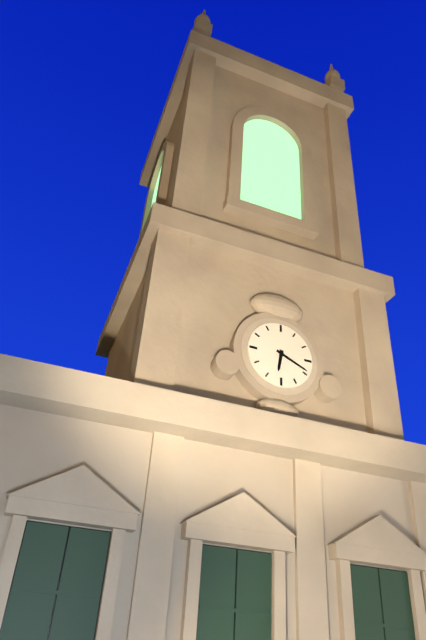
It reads 6 h 19 min
